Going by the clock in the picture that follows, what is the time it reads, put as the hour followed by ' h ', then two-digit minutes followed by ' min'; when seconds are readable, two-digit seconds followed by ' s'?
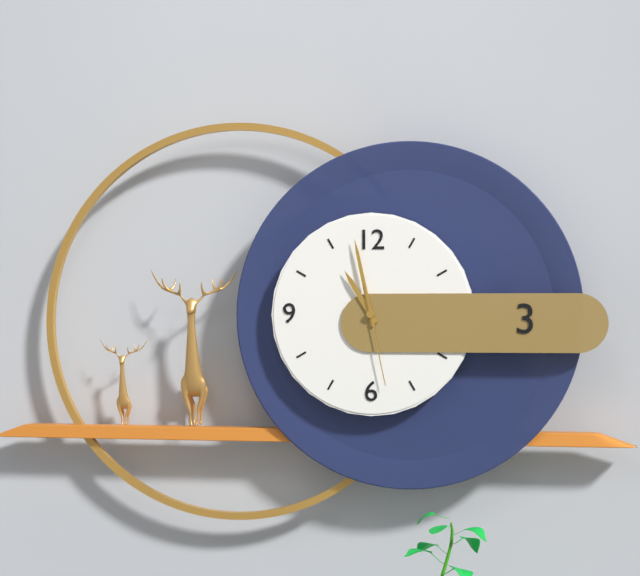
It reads 10 h 58 min 28 s
